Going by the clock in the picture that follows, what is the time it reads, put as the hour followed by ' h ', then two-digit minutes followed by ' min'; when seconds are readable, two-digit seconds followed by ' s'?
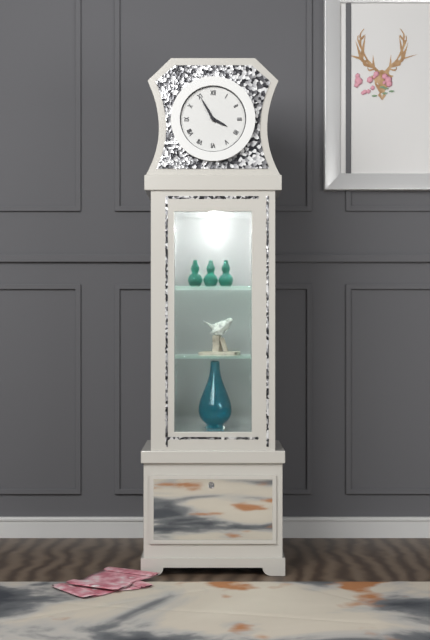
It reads 3 h 55 min
